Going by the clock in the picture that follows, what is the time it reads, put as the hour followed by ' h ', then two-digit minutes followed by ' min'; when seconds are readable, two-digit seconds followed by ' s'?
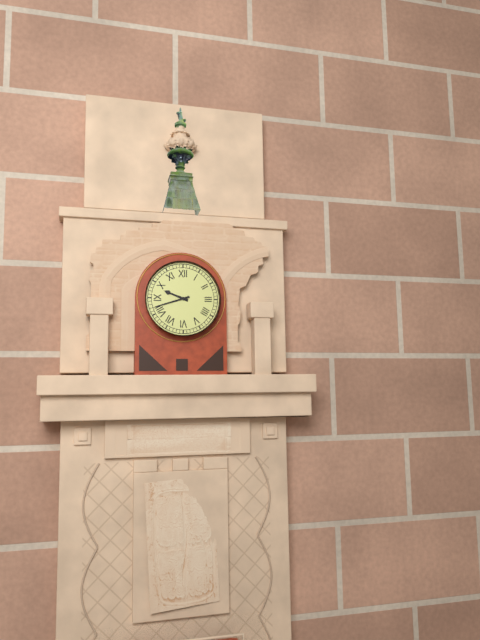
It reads 9 h 42 min
